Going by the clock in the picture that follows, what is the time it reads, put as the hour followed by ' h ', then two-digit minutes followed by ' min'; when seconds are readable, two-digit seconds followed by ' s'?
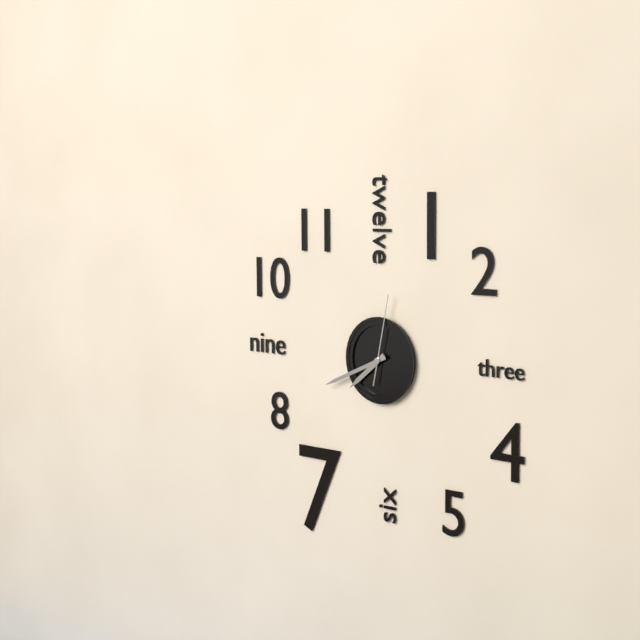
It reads 7 h 41 min 02 s
